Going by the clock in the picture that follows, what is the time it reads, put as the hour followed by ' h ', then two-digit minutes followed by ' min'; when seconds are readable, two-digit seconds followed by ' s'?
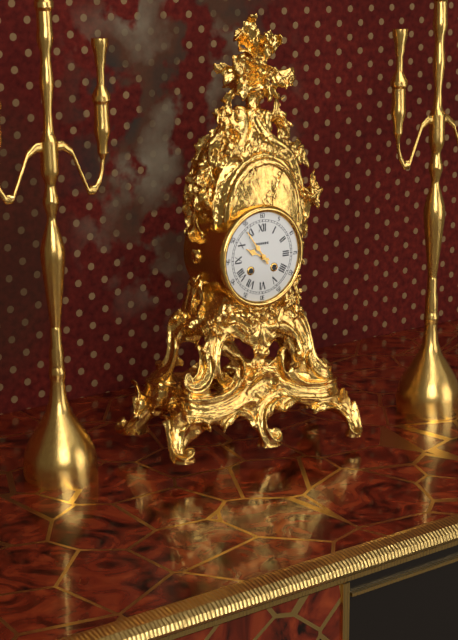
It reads 9 h 54 min
